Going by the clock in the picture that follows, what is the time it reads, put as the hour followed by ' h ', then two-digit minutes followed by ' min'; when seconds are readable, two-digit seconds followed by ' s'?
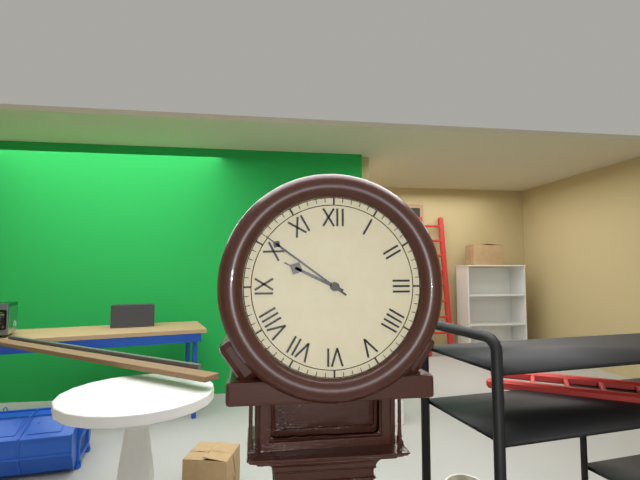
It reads 9 h 51 min
